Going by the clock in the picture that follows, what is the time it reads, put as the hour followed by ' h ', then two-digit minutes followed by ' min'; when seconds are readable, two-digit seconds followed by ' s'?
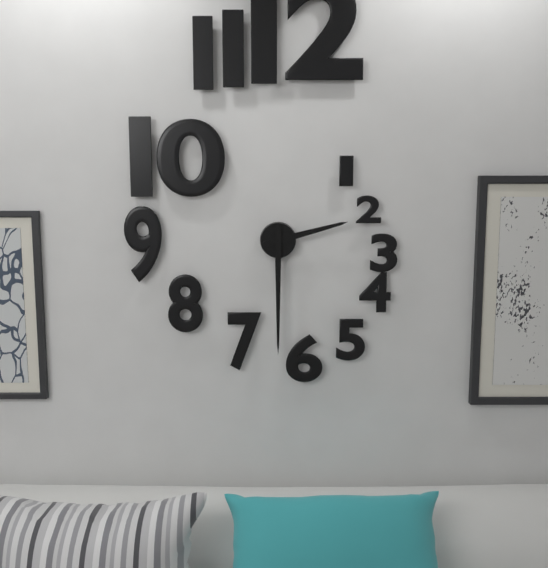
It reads 2 h 30 min
